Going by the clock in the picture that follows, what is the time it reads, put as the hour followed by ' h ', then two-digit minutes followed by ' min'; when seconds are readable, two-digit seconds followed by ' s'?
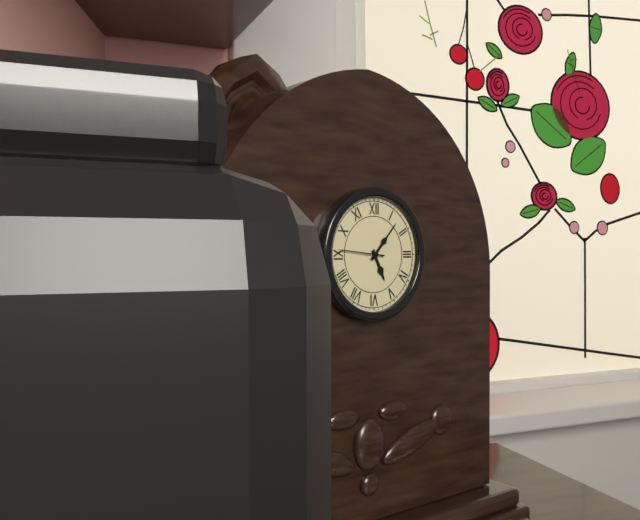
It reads 5 h 07 min
